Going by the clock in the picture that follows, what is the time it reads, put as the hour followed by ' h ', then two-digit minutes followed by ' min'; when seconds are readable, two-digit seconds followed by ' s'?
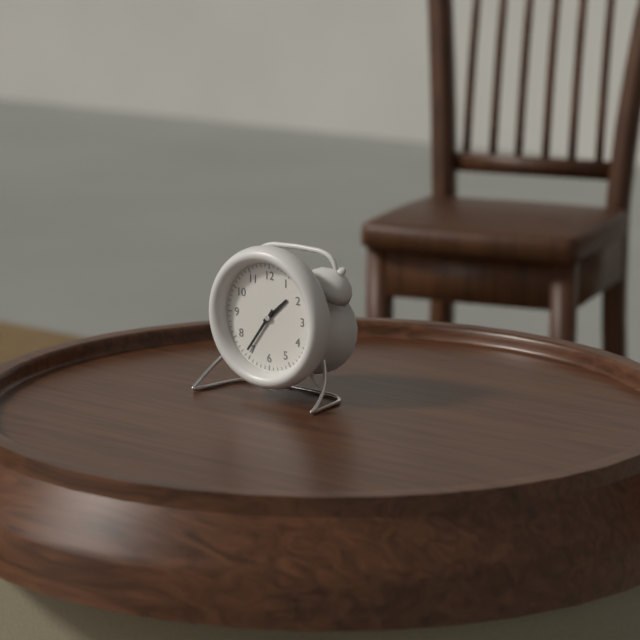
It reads 1 h 36 min
